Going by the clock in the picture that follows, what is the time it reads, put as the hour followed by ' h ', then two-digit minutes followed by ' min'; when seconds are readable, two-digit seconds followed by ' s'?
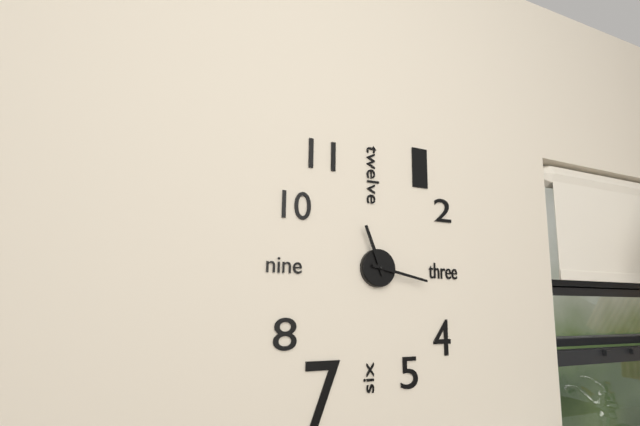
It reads 11 h 17 min
